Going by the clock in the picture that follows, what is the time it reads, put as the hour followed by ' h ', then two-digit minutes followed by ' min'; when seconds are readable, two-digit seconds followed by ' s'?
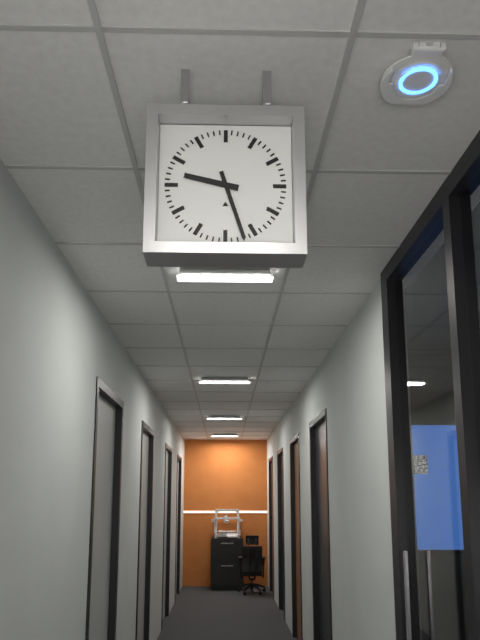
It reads 9 h 27 min
